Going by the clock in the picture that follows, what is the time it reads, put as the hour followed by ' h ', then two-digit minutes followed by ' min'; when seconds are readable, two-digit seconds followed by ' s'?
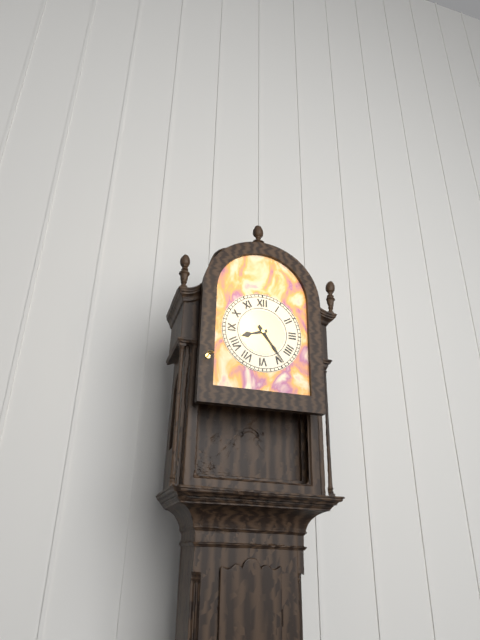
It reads 8 h 24 min
